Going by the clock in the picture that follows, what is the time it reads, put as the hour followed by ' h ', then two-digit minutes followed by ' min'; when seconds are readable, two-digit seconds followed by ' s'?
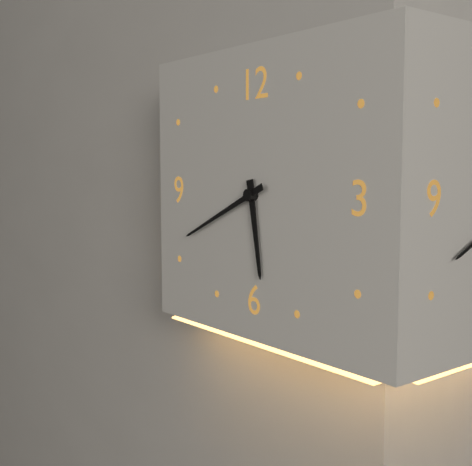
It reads 5 h 41 min
